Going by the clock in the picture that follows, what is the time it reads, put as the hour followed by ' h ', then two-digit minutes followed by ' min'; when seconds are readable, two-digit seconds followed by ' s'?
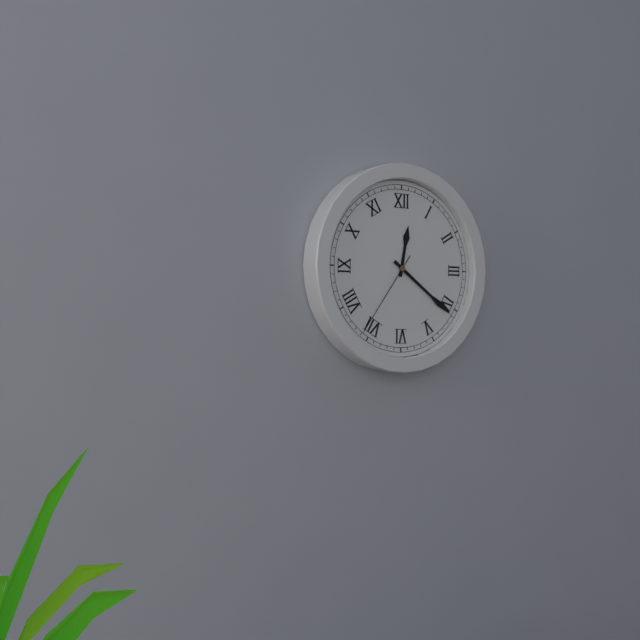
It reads 12 h 21 min 36 s
